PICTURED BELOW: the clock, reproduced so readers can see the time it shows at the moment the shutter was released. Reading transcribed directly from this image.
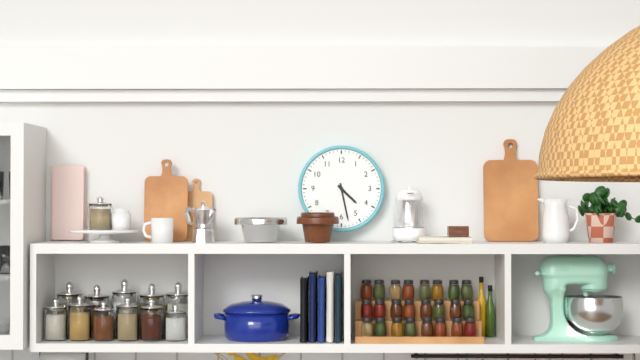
4:28
